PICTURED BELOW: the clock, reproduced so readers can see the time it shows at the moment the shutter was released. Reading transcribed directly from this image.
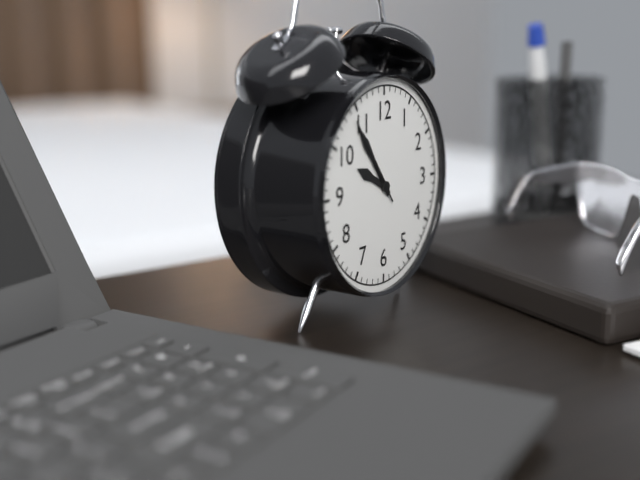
9:54:54
